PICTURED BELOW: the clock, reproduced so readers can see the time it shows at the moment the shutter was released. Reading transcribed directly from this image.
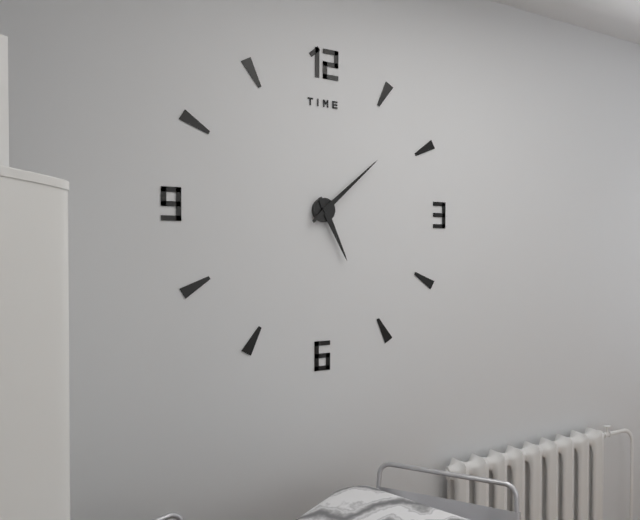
5:08
